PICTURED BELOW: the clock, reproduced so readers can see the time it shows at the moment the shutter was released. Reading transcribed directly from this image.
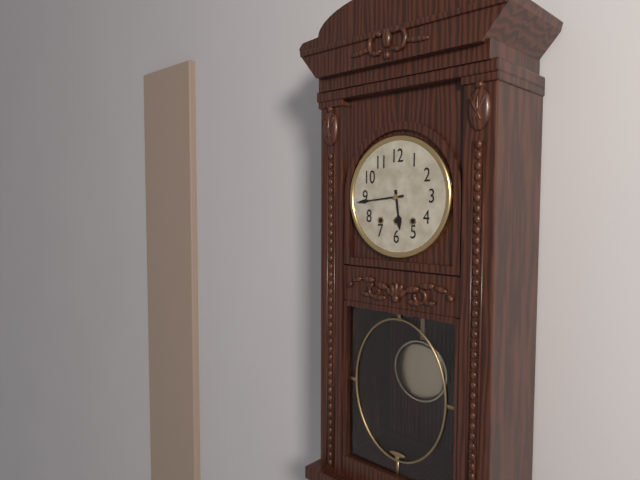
5:44
